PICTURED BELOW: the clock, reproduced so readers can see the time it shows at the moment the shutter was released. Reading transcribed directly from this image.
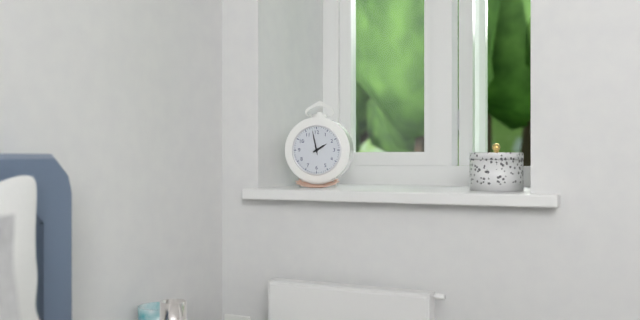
1:58
